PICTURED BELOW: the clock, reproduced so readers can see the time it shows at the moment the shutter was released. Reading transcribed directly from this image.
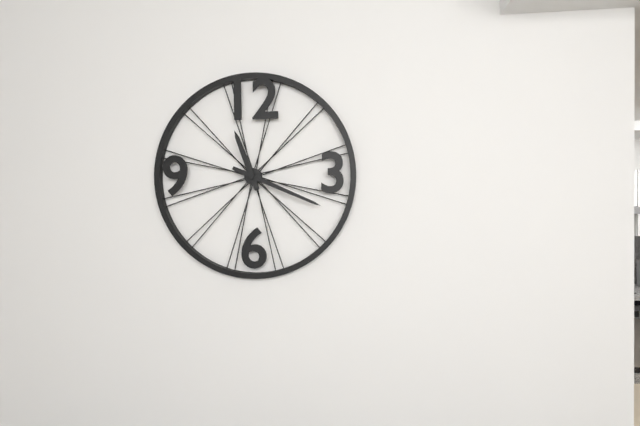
11:19
